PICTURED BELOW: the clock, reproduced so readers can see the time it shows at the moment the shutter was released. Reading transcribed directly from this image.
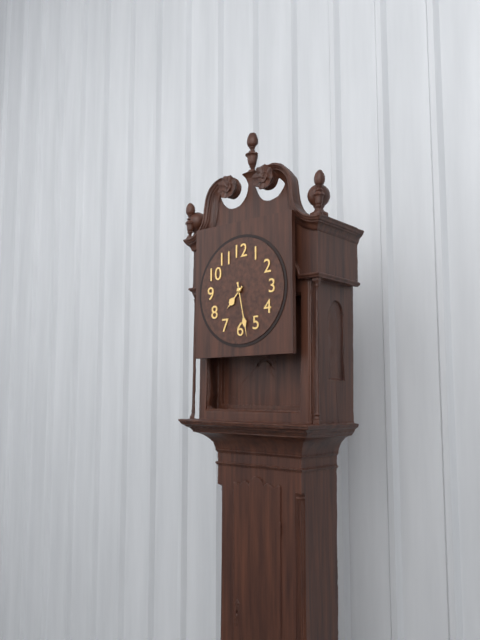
7:28
